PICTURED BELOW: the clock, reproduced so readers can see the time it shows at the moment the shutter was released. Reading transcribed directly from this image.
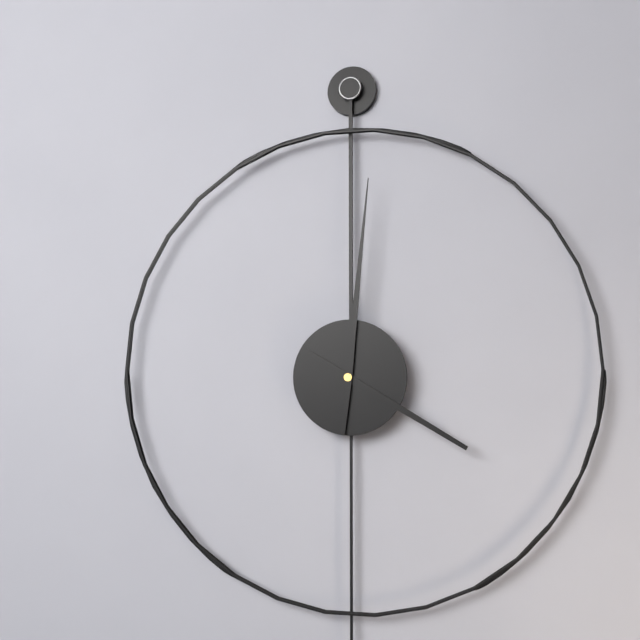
4:01
